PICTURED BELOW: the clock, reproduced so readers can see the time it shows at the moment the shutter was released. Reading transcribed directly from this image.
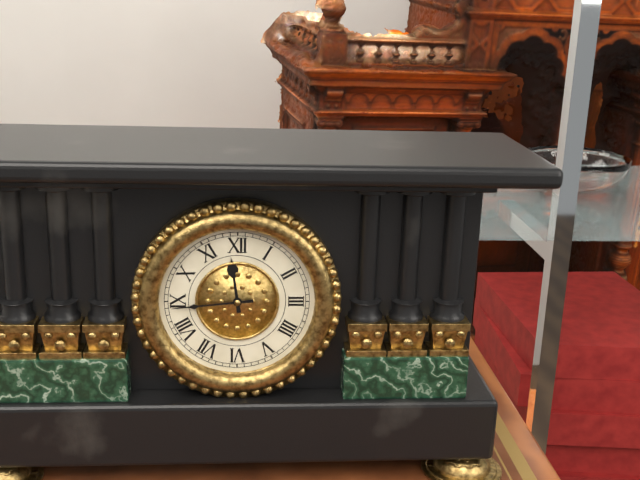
11:44
